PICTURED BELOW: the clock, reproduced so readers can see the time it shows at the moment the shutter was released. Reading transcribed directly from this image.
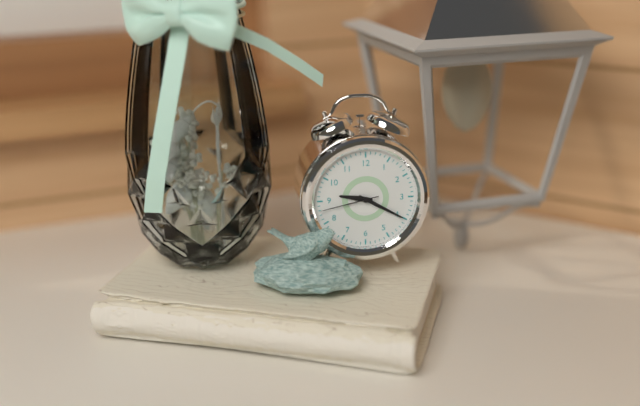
9:20:43
